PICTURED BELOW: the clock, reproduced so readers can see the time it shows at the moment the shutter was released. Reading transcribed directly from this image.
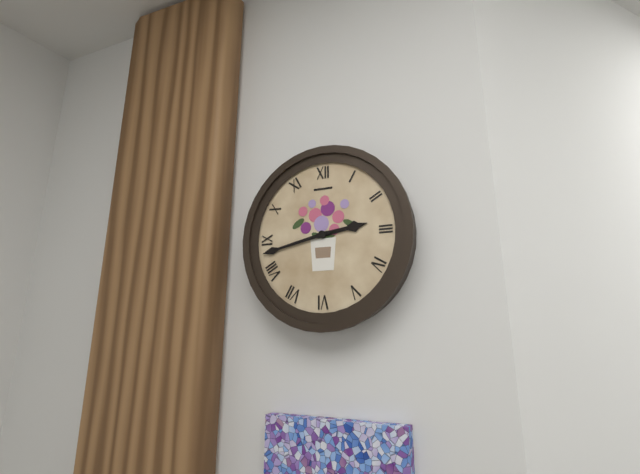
2:43
